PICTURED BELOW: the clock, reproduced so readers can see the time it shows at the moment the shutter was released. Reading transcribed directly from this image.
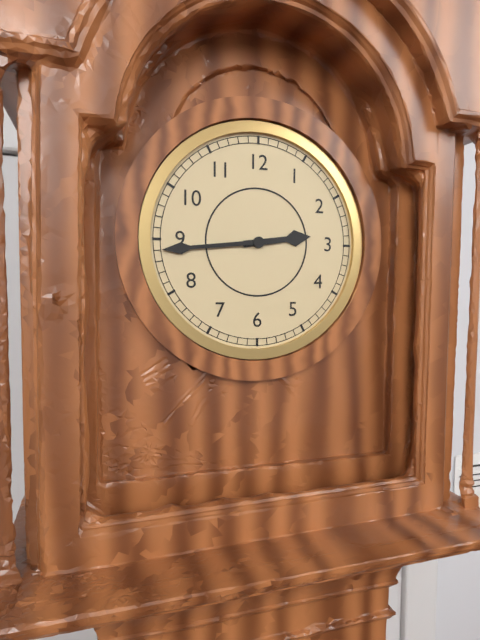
2:44
